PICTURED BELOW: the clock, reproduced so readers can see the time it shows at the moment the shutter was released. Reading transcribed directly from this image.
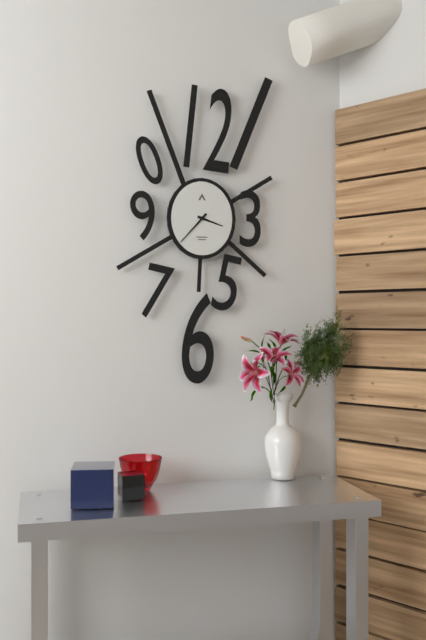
3:37
